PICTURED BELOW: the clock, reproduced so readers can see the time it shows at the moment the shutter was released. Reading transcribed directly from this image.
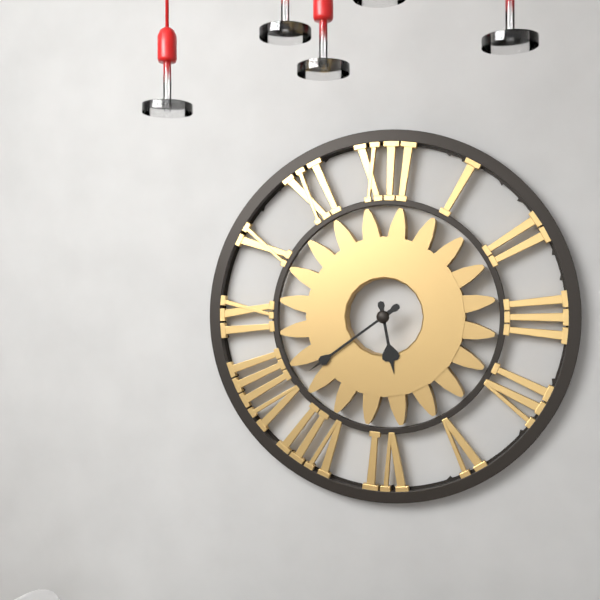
5:39
